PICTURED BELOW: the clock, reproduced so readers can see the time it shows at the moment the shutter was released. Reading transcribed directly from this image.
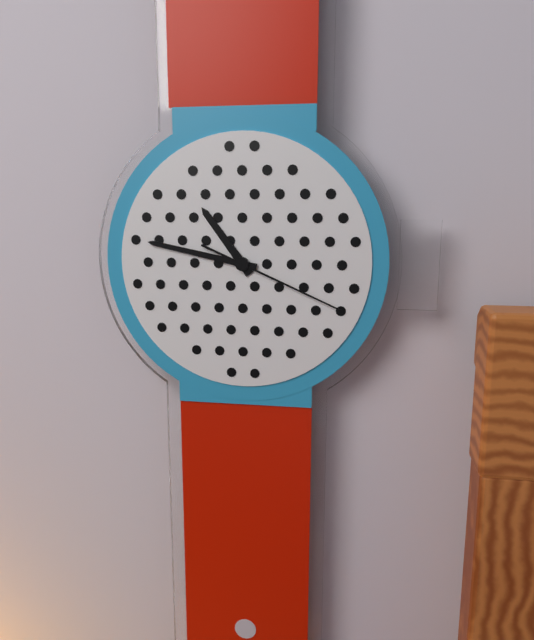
10:47:19
